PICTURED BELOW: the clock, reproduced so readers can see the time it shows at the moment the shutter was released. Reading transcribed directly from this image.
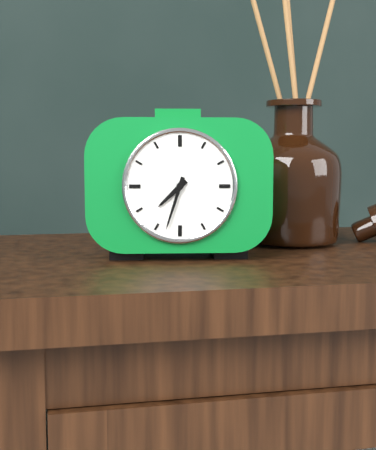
7:33
